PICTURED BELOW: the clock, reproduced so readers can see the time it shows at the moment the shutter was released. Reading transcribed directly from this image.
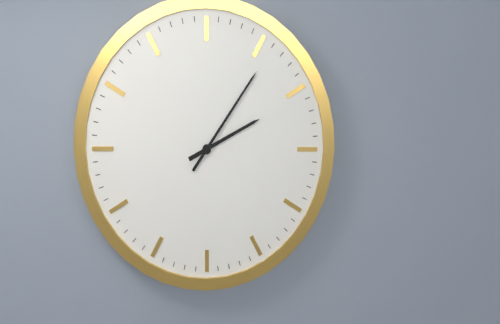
2:06
